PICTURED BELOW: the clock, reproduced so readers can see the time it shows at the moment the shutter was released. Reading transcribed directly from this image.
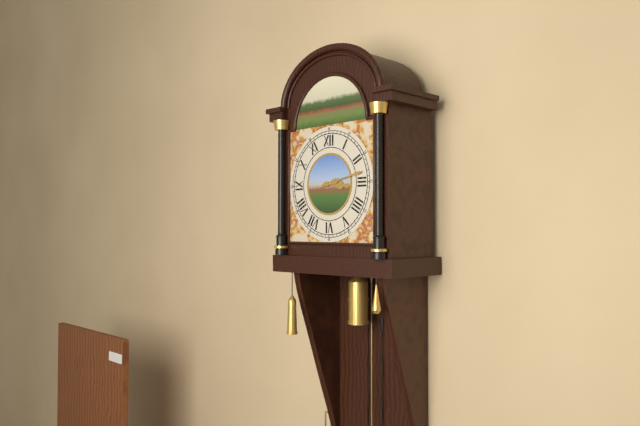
3:13
